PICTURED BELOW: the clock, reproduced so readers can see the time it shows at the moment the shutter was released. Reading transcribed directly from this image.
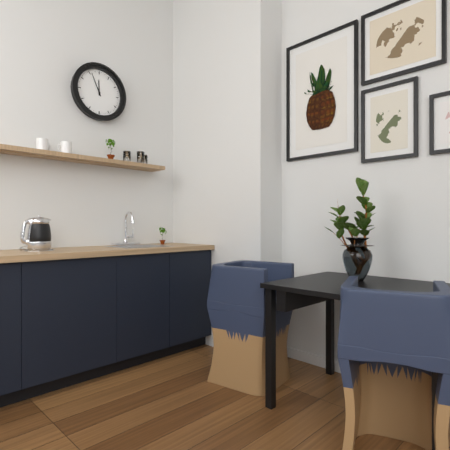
11:56
